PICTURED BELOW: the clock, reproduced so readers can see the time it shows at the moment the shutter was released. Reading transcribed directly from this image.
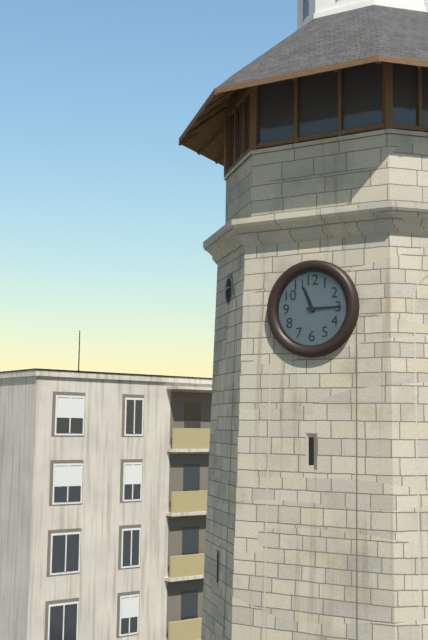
11:15
